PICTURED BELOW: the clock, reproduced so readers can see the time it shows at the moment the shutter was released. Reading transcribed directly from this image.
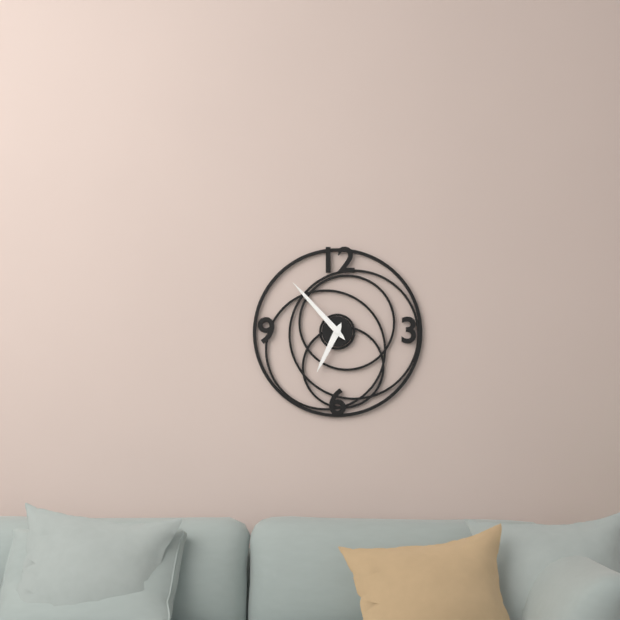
6:53
